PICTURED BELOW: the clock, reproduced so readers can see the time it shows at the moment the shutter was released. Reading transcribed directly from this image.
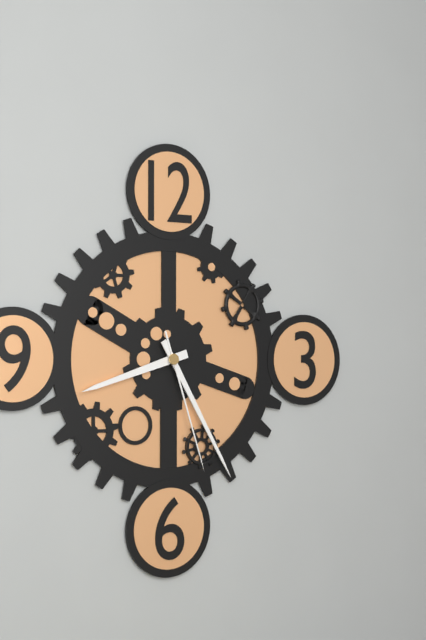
8:25:27
